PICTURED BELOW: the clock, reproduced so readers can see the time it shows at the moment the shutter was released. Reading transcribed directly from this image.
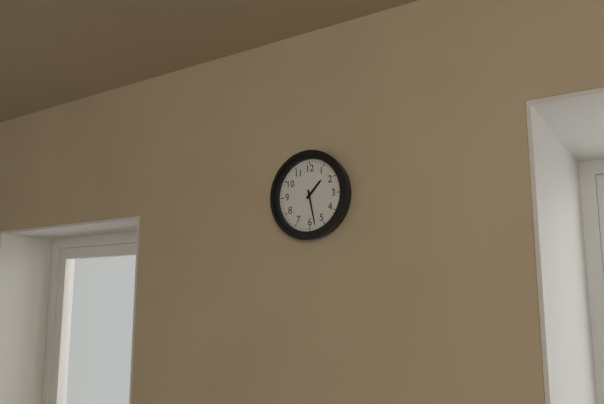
1:28
